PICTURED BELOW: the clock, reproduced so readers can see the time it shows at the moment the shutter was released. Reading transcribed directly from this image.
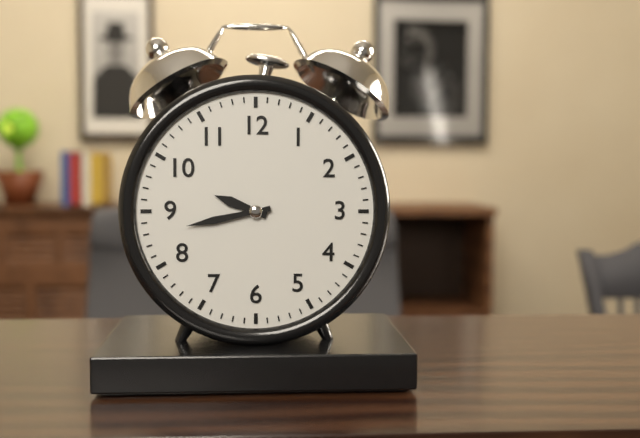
9:43
